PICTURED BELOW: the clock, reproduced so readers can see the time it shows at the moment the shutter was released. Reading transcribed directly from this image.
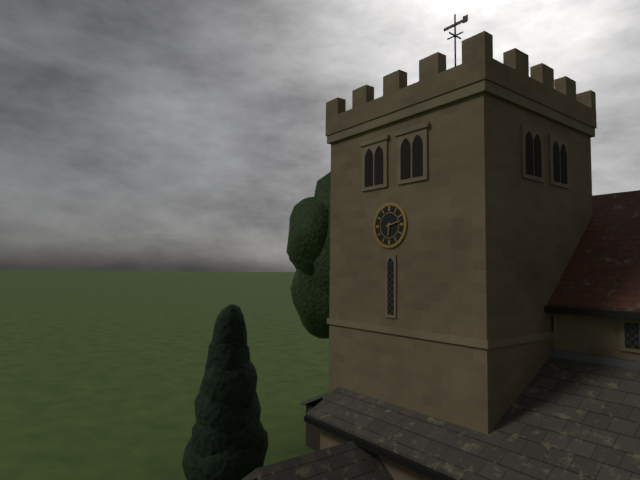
6:13
